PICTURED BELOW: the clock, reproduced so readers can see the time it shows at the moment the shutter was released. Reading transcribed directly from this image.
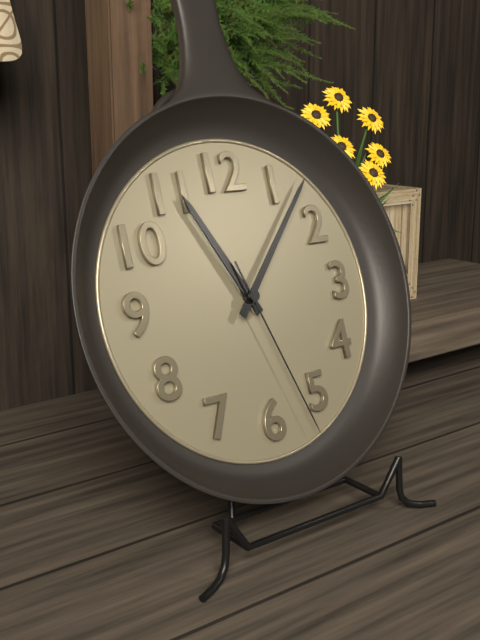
11:07:27
